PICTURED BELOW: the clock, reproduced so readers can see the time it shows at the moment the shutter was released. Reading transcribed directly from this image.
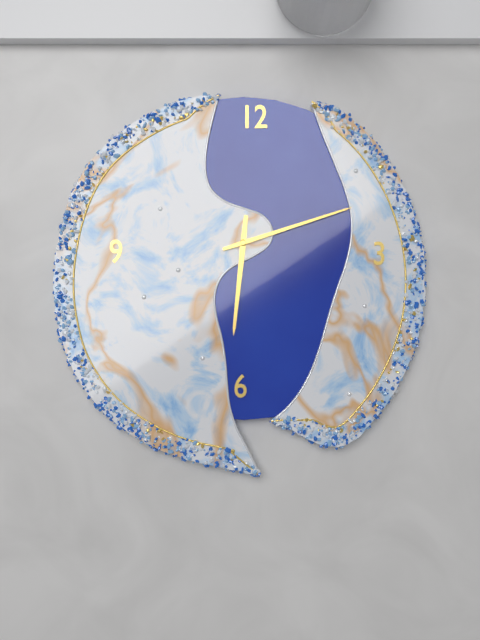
6:12
